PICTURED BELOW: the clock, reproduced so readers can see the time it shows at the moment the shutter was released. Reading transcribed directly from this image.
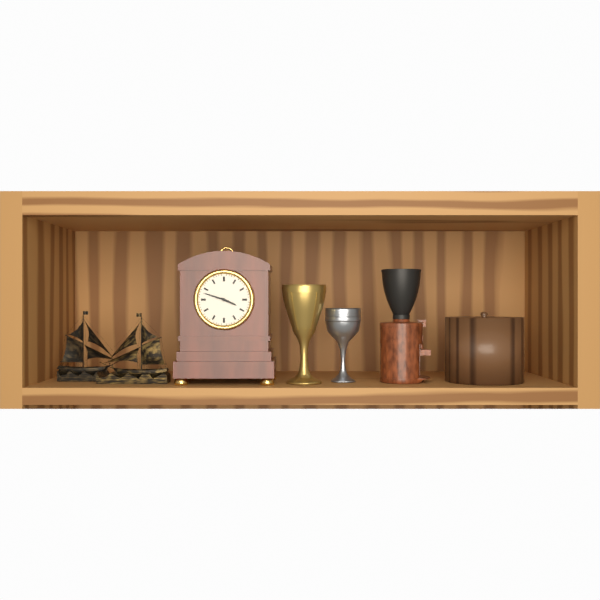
3:48
